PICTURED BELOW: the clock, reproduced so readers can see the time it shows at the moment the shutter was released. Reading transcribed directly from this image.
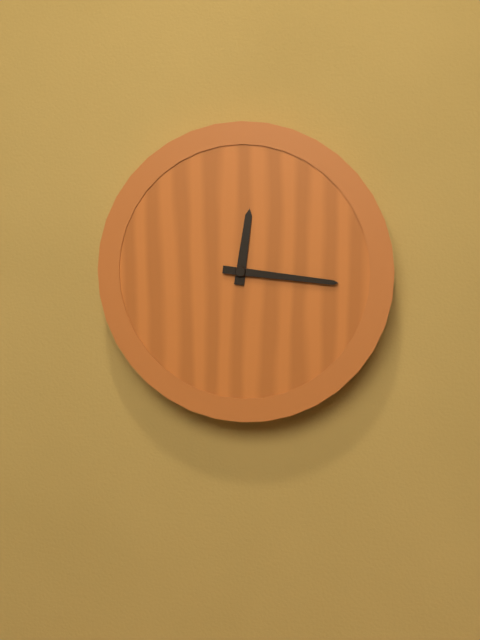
12:16
